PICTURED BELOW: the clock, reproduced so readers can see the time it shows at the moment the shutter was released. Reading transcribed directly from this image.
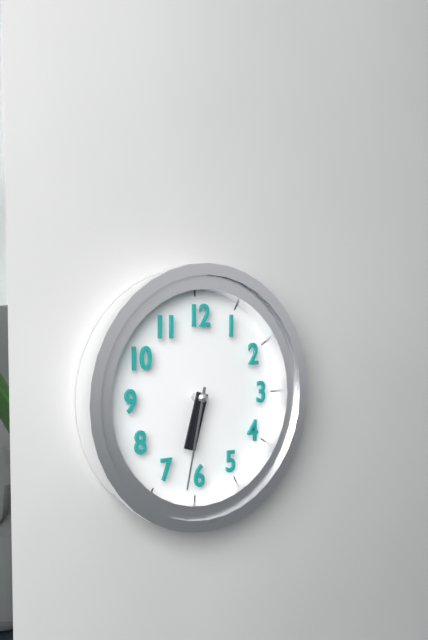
6:32
